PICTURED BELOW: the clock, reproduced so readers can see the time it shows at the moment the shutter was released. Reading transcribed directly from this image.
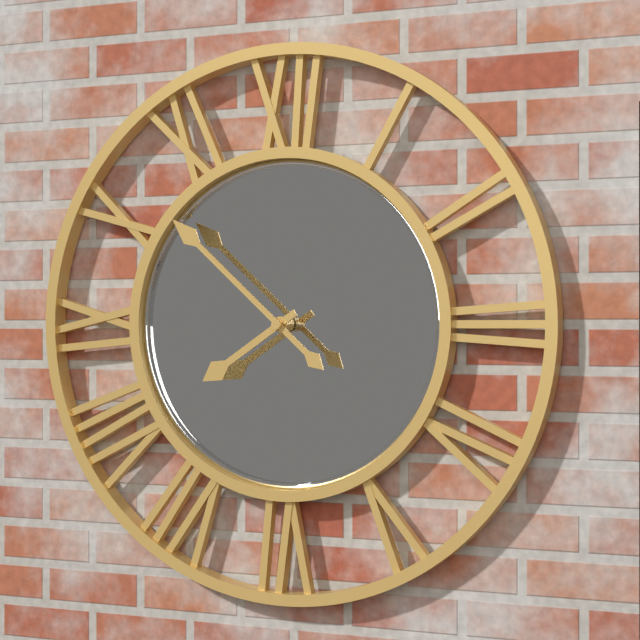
7:52
